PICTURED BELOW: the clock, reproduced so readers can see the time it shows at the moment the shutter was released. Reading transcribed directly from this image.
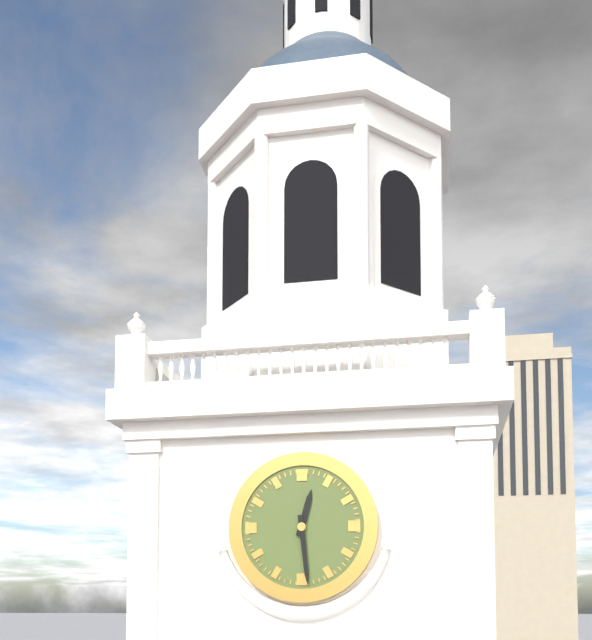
12:29
